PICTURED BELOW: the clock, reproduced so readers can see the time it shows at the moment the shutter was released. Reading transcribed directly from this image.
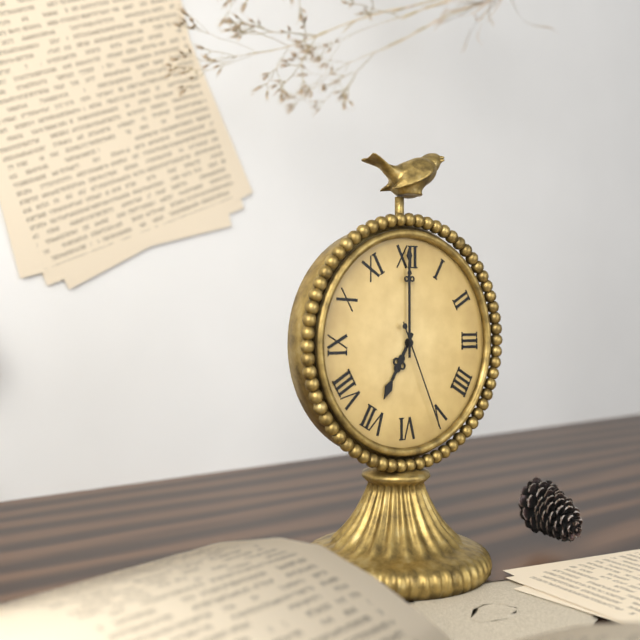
7:00:26
